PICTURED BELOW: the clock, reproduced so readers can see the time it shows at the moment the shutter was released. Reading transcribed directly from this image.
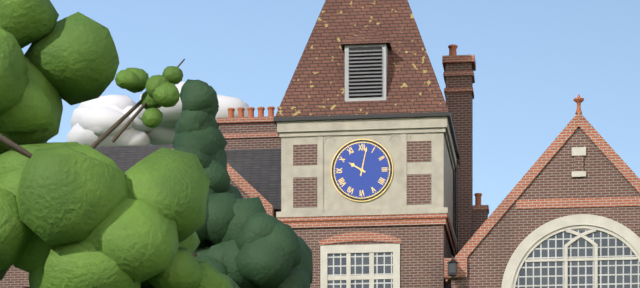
10:02
